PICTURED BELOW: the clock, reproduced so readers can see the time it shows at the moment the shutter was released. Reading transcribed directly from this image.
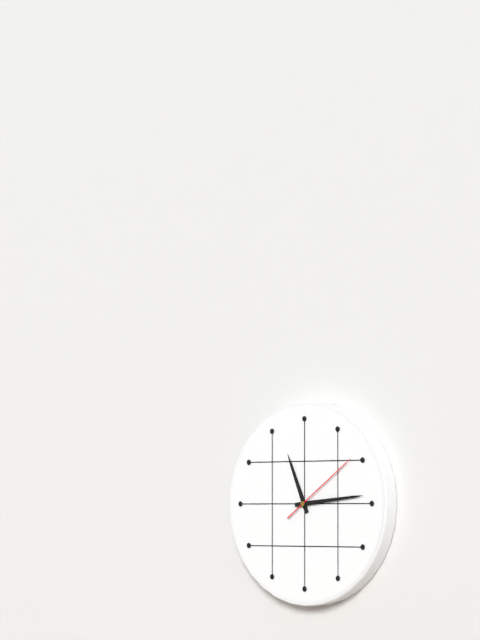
11:14:09
